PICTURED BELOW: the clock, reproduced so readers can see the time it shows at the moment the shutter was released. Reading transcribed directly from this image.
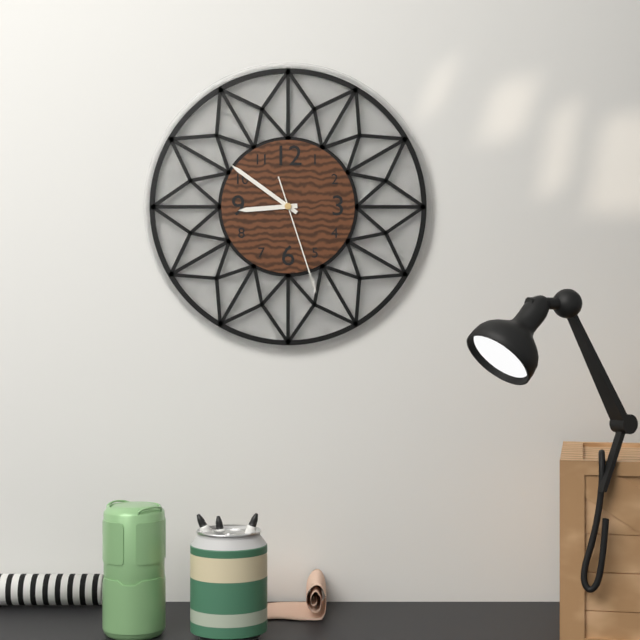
8:51:27
